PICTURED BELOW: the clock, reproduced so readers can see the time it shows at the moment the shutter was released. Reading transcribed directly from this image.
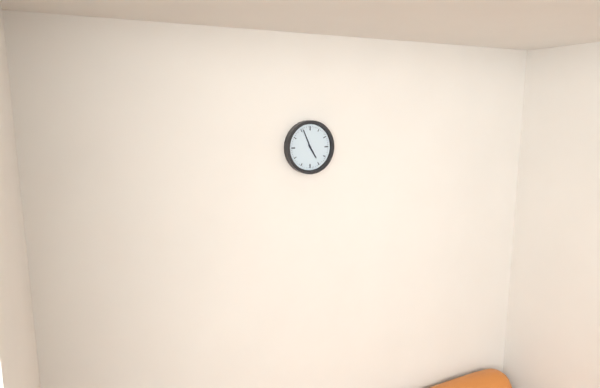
4:56
